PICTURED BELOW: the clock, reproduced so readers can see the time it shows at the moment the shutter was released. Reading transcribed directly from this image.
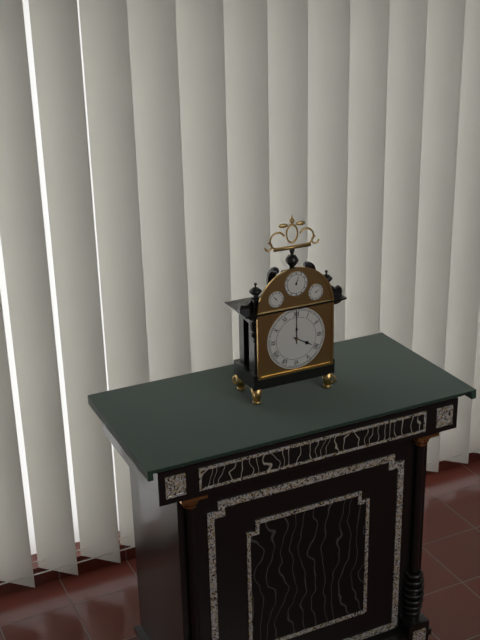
4:00
